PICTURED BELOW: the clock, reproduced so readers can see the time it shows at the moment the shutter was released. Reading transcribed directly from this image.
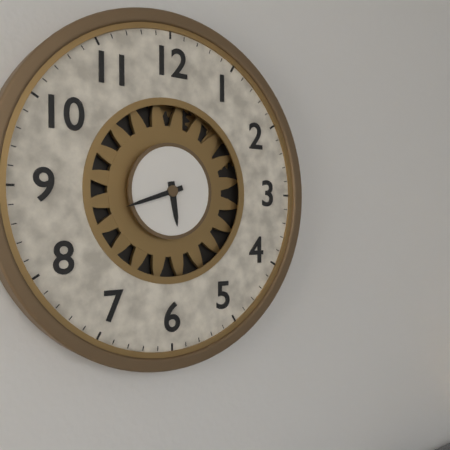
5:42
